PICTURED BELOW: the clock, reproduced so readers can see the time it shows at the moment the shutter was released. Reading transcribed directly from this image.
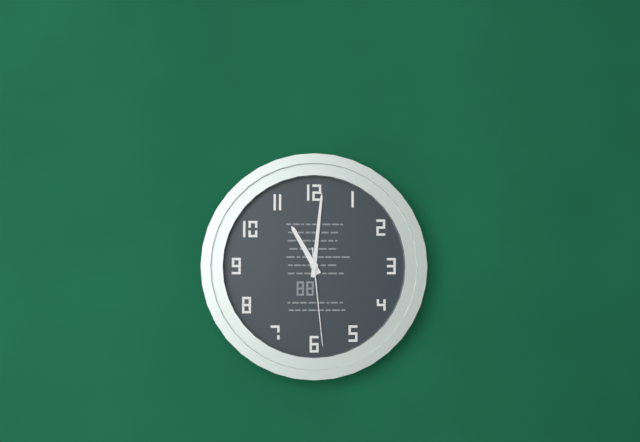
11:01:29
